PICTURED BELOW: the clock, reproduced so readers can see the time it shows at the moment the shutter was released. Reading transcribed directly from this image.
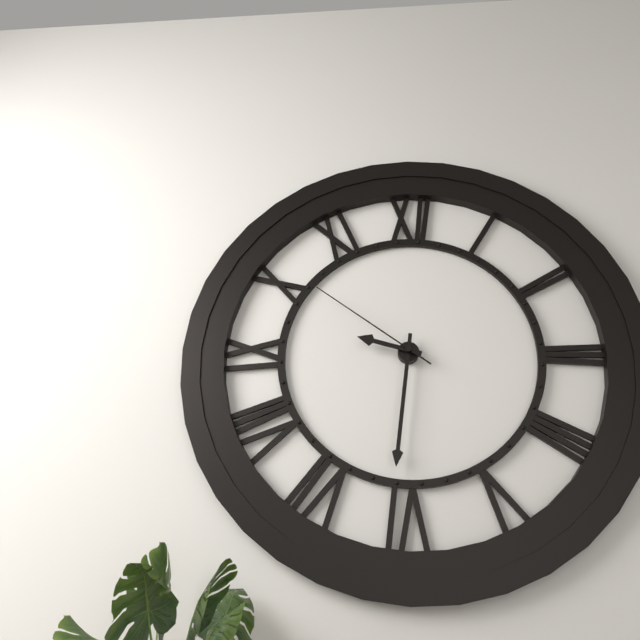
9:31:51
